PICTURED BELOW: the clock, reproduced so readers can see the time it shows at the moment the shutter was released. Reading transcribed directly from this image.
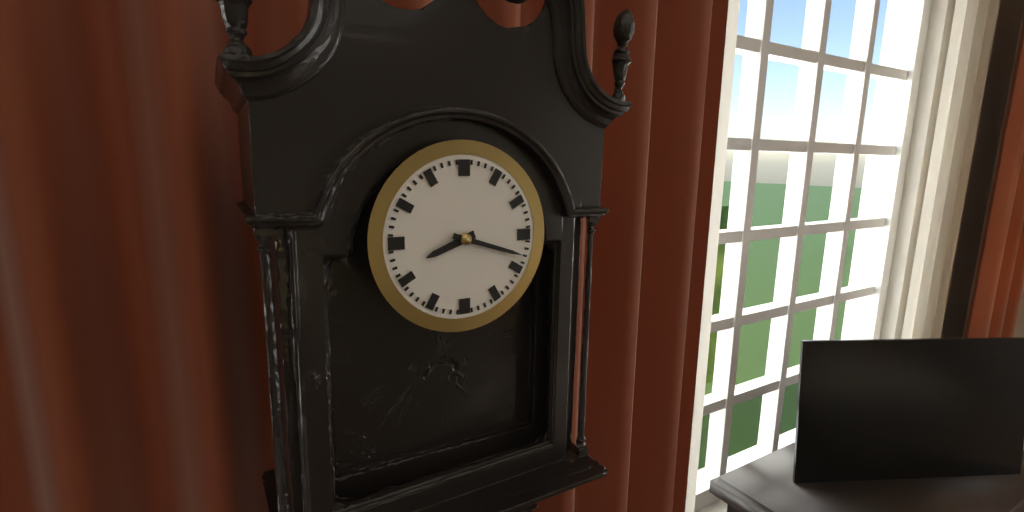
8:18
